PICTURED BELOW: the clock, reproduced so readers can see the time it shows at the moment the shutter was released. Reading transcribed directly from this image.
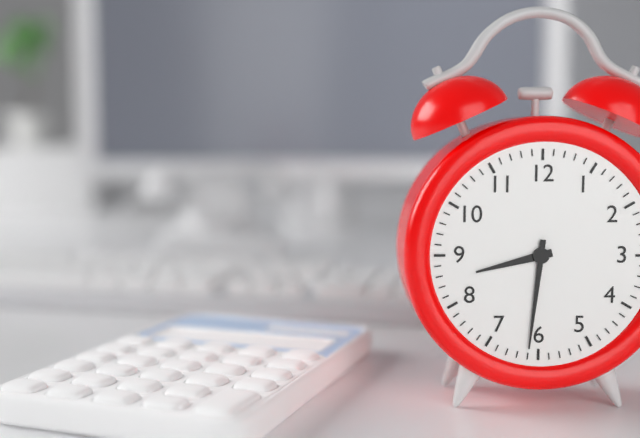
8:31
